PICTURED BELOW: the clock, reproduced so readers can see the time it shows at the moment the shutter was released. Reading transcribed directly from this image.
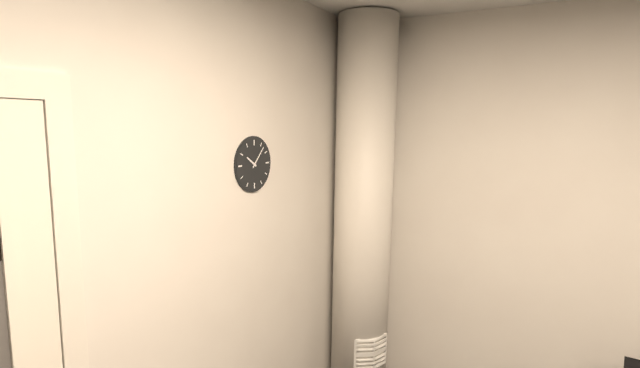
10:07
